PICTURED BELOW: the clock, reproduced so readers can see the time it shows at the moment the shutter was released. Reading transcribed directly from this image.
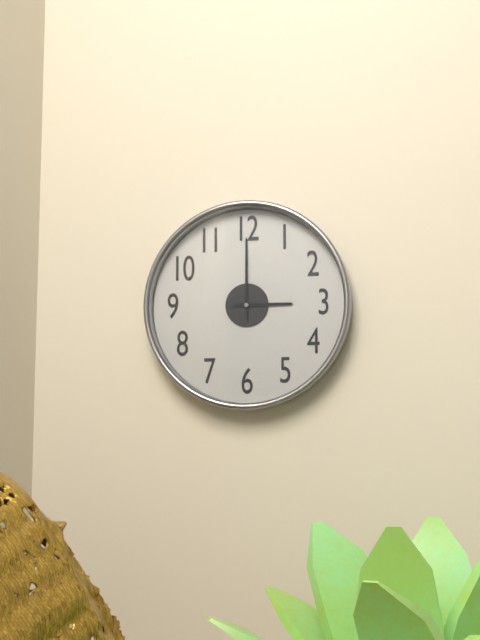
3:00
